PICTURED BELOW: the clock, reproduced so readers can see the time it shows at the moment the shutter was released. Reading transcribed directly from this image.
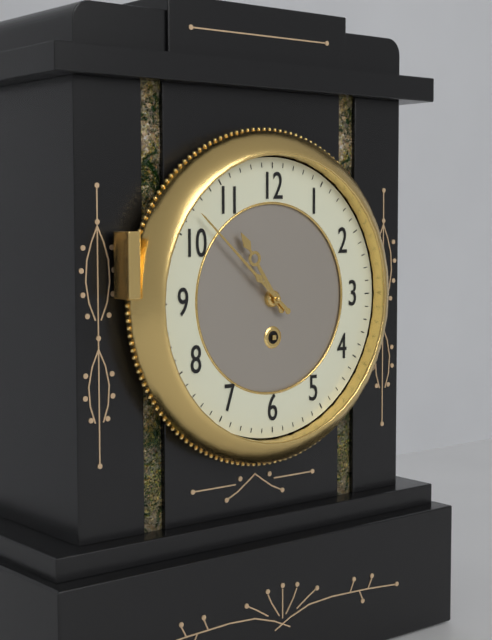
10:52
